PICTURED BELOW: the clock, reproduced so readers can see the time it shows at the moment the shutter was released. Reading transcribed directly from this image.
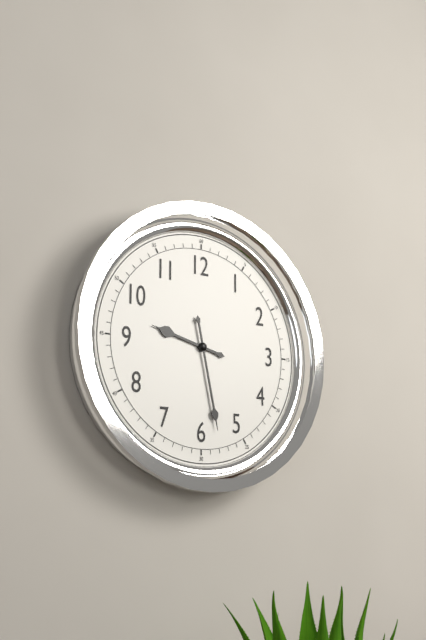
9:28
